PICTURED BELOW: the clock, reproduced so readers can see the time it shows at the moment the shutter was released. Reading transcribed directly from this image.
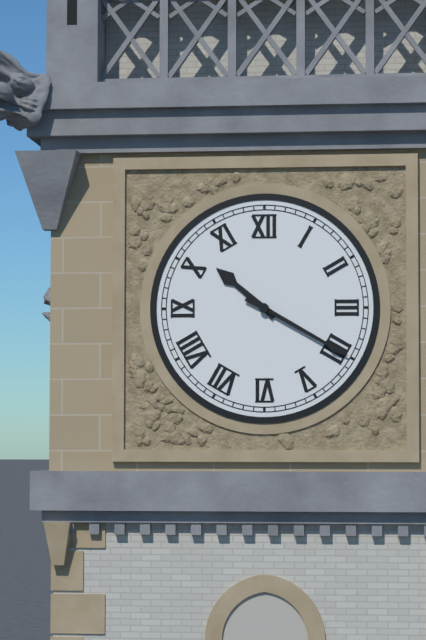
10:20
